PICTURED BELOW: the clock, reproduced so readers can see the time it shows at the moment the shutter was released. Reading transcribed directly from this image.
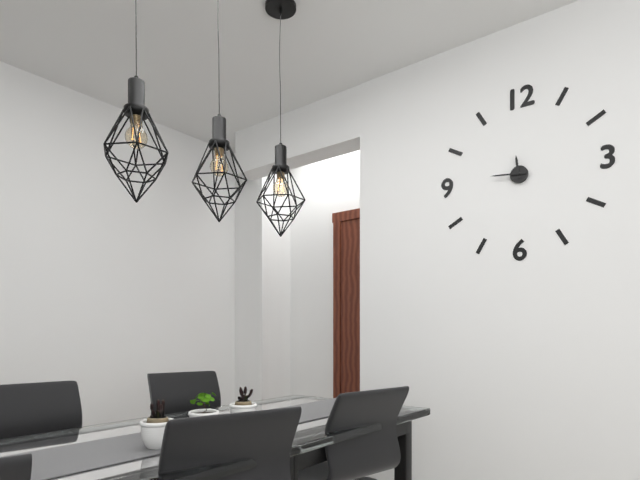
11:46
